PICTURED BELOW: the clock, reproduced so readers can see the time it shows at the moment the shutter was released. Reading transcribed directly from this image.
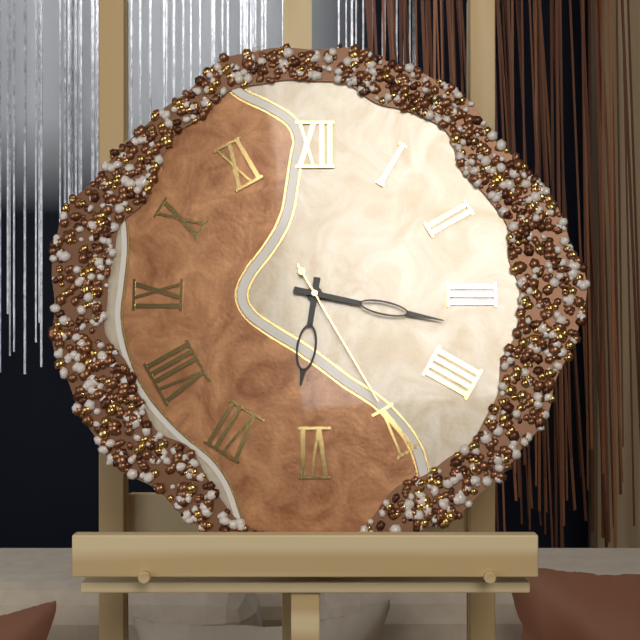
6:17:25
